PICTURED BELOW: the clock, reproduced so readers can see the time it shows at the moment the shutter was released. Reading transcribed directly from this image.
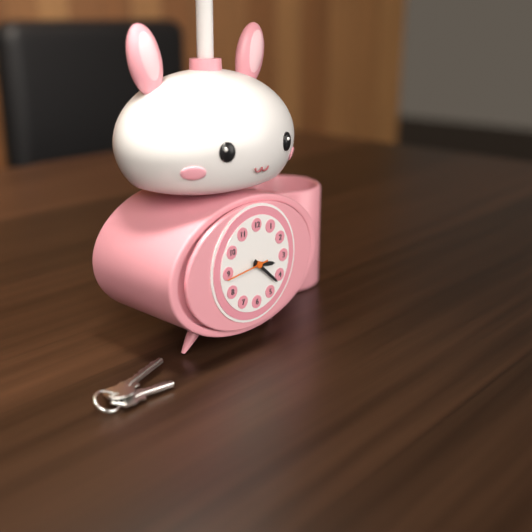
3:22
